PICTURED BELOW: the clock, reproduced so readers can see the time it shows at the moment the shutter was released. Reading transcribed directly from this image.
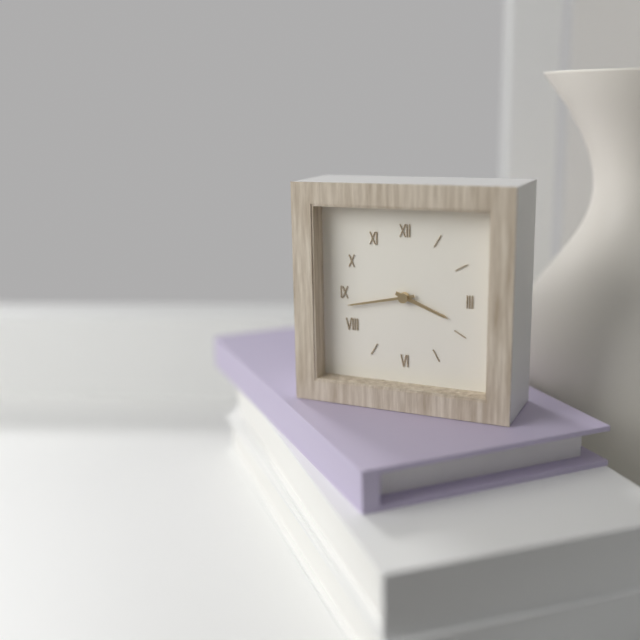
3:43
